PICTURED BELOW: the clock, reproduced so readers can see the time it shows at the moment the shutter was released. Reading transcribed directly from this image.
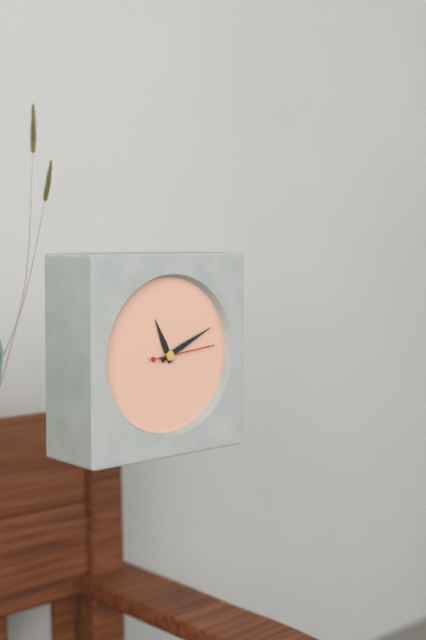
11:11:14
